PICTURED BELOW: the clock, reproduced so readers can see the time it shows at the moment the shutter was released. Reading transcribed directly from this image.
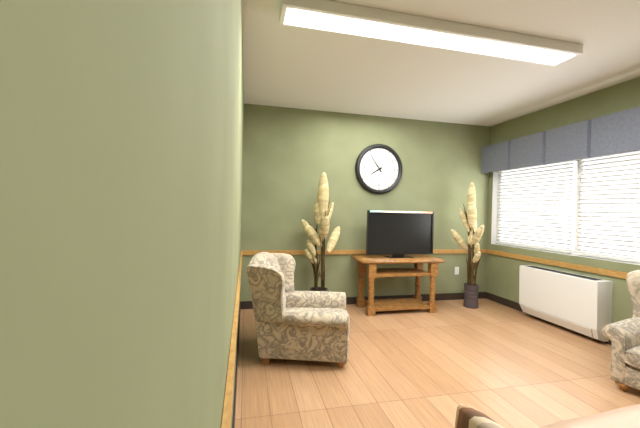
7:54
